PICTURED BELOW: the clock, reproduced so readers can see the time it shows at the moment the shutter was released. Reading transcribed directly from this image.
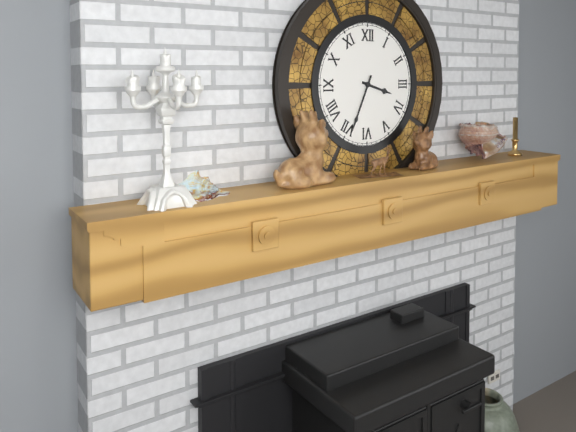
3:34
